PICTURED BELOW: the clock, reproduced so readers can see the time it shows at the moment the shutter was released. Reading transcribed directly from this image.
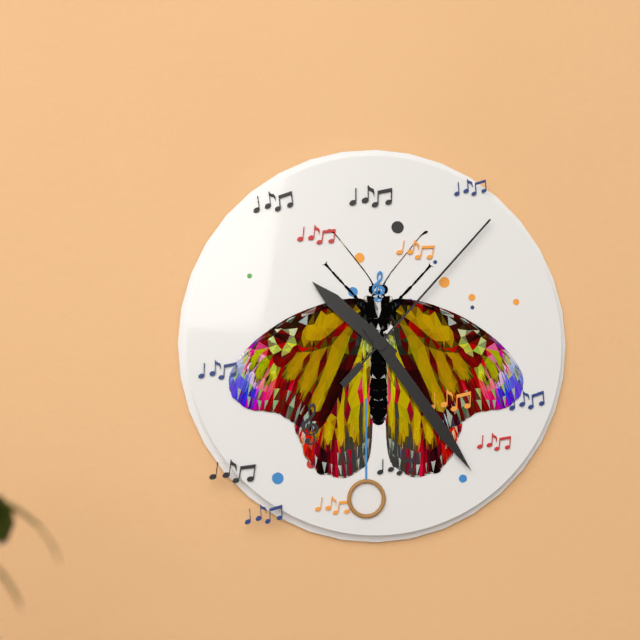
10:24:07
